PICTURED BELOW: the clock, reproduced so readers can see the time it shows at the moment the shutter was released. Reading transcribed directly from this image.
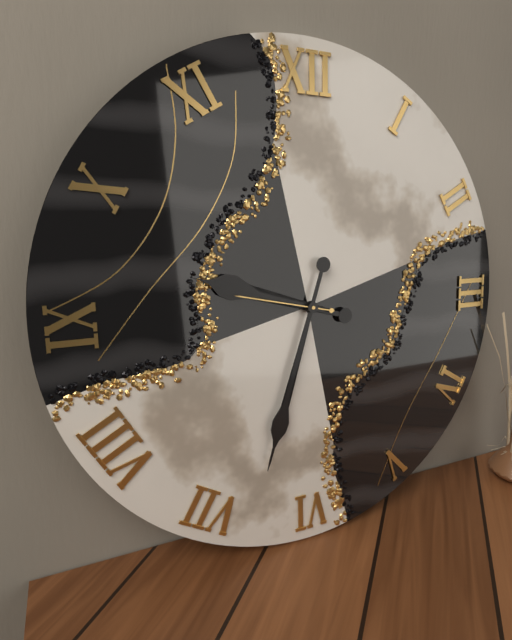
9:33:47
